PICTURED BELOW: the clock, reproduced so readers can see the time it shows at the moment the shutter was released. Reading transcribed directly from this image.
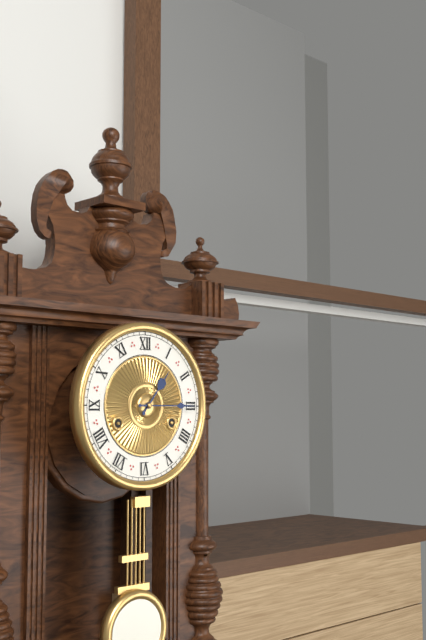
1:15
